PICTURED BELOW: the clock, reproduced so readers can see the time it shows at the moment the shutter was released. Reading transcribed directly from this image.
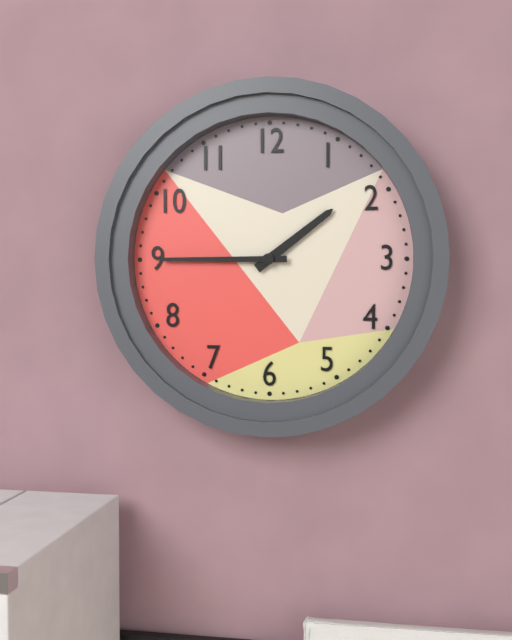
1:45
